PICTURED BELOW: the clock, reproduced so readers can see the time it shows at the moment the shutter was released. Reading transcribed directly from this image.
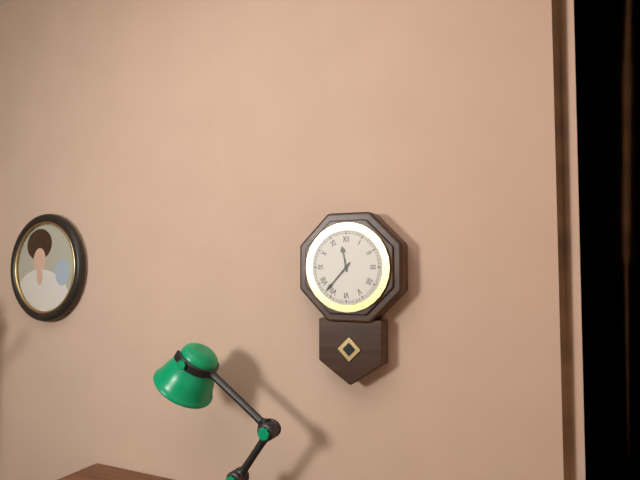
11:37
